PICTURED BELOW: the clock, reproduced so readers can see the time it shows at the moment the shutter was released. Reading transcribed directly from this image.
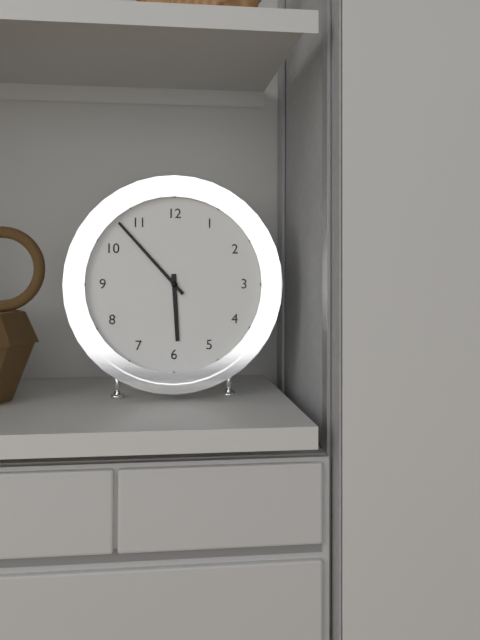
5:53
